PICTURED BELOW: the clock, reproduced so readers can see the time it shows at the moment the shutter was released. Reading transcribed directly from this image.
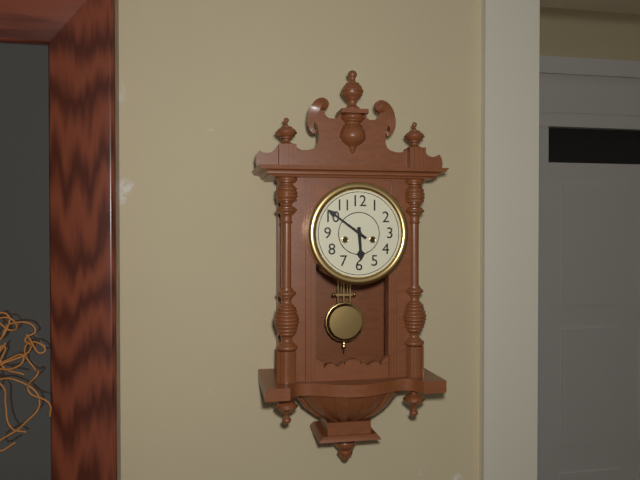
5:51
